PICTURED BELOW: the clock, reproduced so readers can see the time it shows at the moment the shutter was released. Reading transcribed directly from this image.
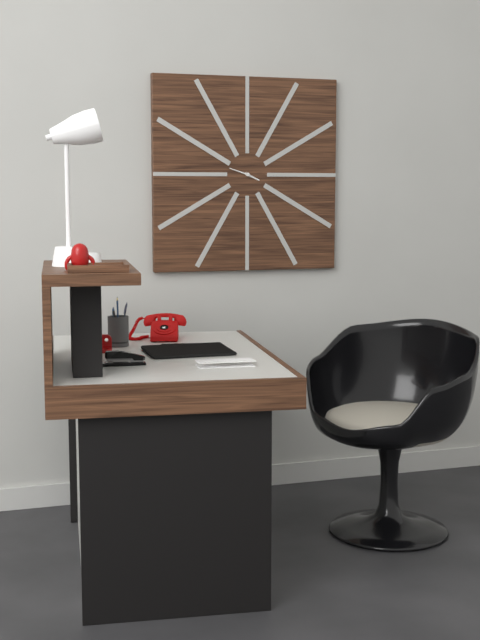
3:48
